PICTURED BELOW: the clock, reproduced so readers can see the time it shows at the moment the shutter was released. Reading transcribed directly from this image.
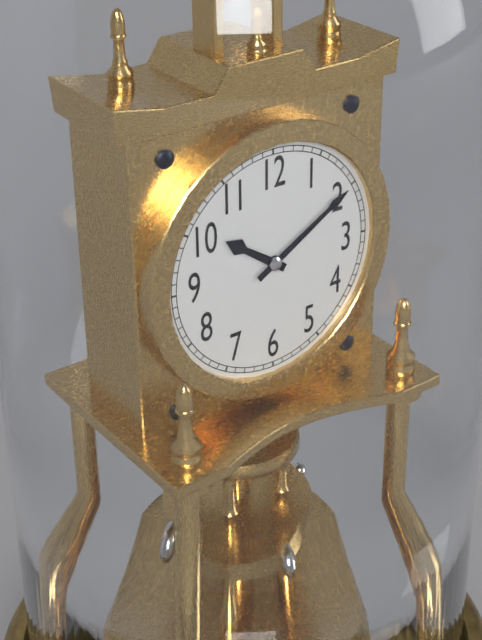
10:10
